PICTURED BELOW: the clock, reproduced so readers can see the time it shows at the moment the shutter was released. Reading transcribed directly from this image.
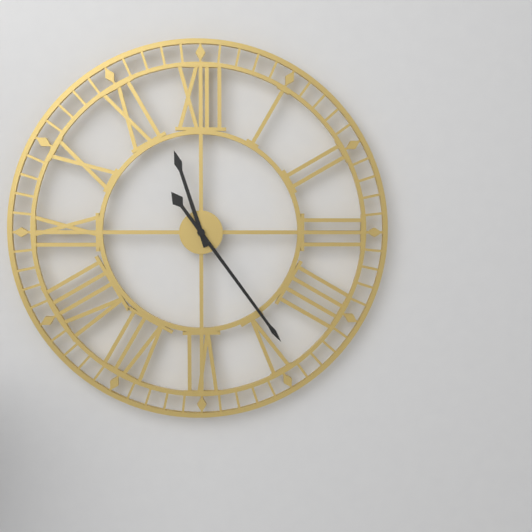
11:24
